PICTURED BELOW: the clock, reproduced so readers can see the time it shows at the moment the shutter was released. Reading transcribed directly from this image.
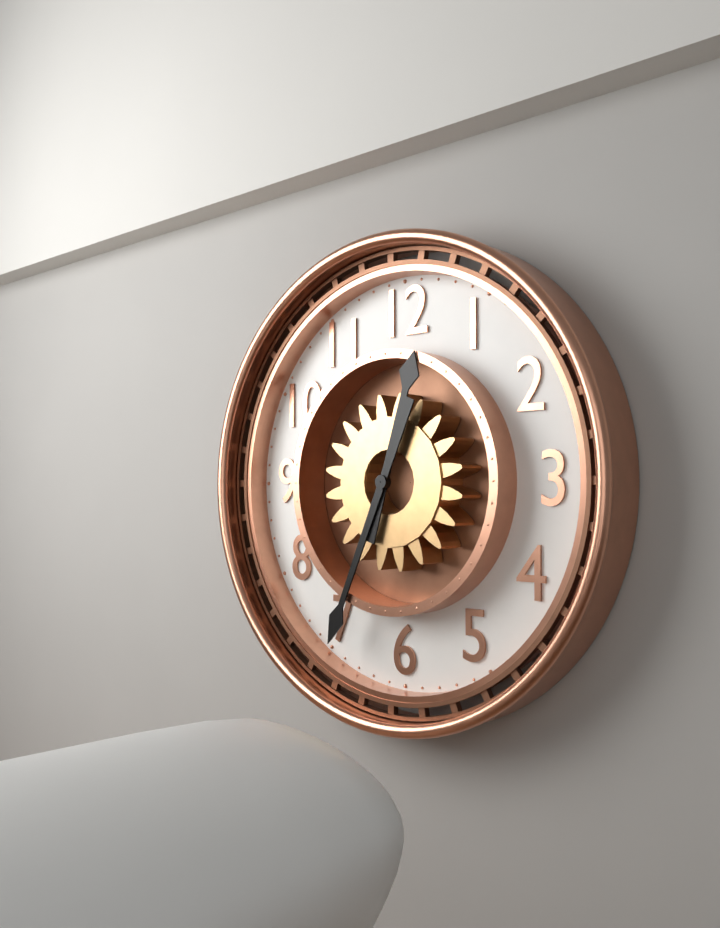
12:34
